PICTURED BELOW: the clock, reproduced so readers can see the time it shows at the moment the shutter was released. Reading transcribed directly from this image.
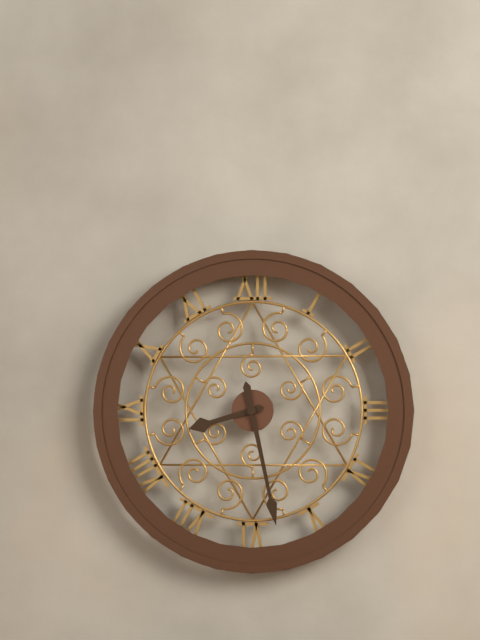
8:28
